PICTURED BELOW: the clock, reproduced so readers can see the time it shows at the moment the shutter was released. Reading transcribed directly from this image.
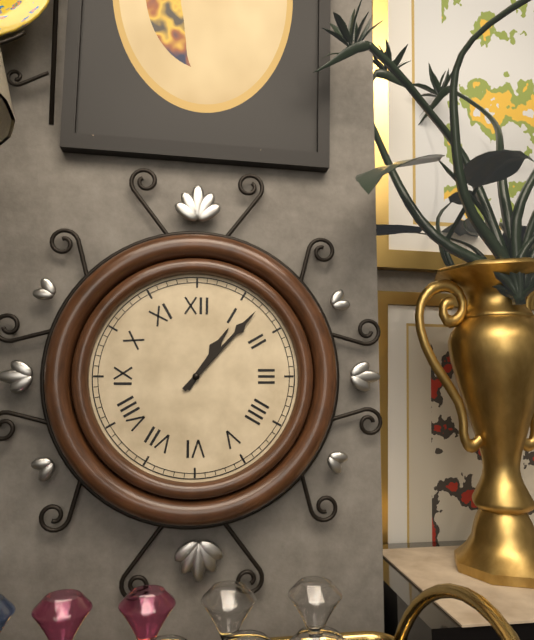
1:07
